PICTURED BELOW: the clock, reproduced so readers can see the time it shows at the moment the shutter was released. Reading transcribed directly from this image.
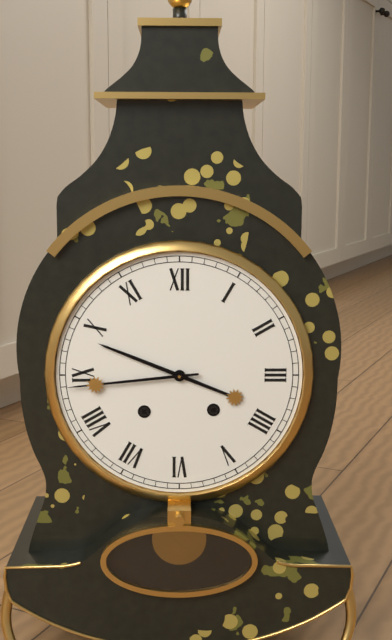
9:44
